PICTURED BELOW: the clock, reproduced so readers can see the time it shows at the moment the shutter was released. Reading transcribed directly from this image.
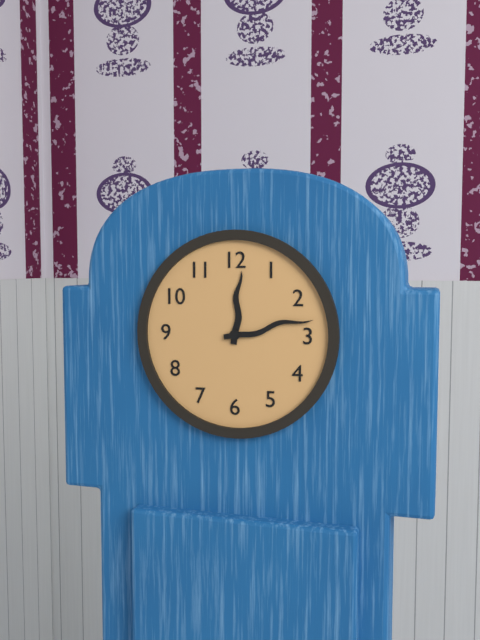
12:13
